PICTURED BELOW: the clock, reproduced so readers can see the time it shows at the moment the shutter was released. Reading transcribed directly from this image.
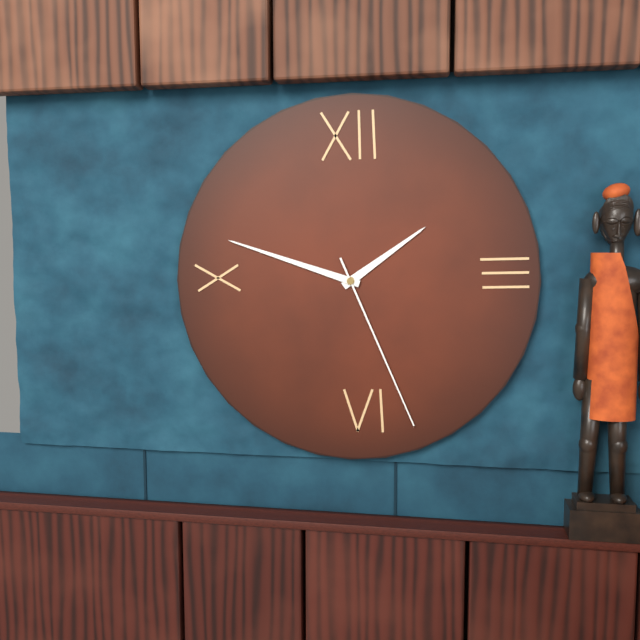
1:48:26
